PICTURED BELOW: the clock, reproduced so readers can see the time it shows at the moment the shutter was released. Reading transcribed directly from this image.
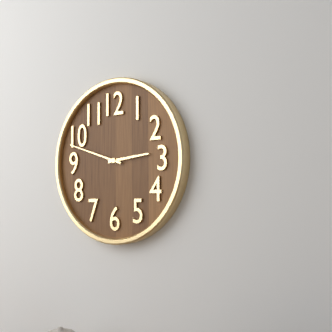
2:48
